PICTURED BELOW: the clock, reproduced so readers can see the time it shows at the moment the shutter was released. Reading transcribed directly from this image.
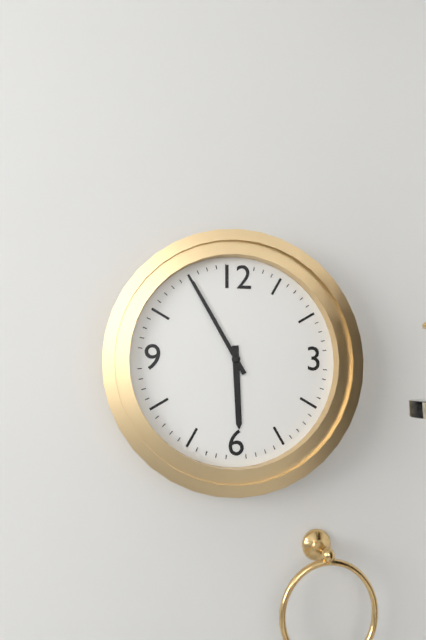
5:55
